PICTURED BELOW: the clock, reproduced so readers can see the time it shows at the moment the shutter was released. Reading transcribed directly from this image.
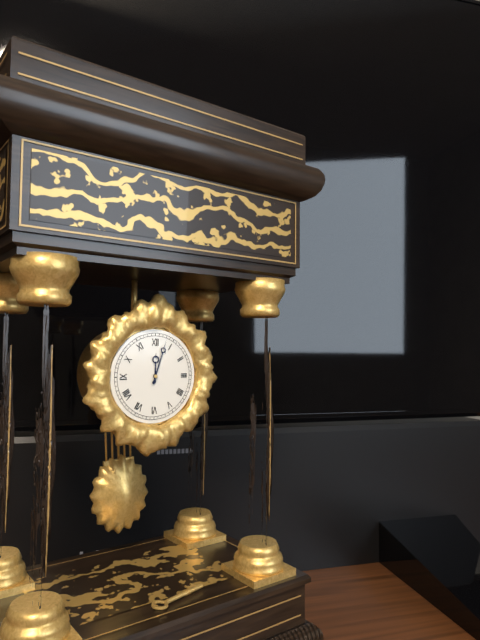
12:03
